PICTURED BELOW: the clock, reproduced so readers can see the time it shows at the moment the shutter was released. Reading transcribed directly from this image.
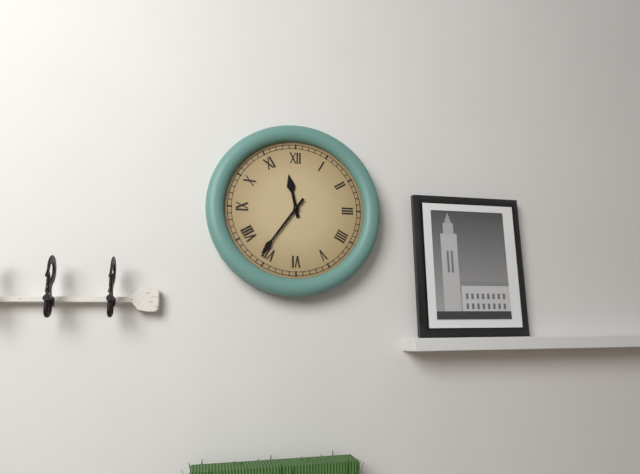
11:36
